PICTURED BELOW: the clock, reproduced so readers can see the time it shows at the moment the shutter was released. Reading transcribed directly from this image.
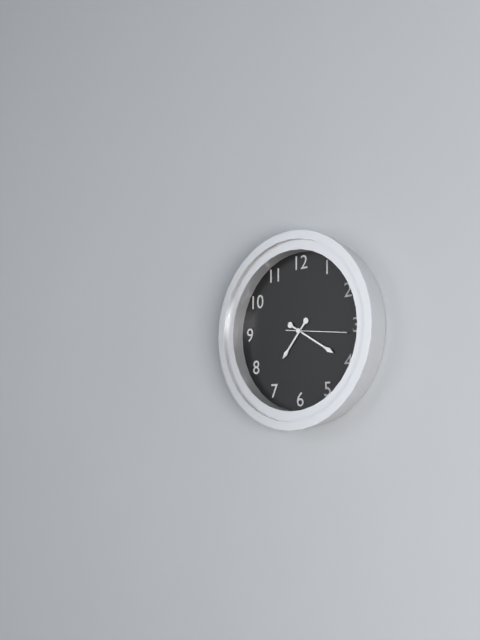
7:20:16
